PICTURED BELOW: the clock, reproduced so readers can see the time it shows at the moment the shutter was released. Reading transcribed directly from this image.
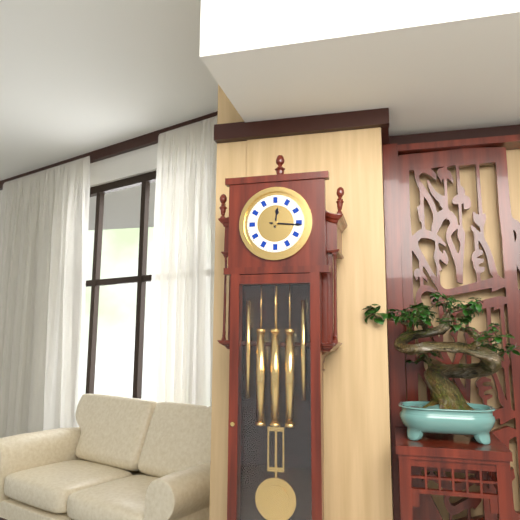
12:16
